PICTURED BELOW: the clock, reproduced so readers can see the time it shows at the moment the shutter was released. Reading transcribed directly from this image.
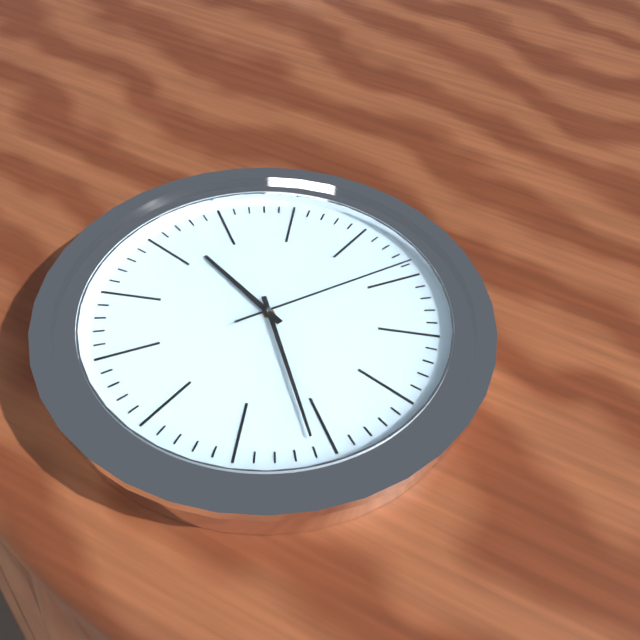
9:21:04
